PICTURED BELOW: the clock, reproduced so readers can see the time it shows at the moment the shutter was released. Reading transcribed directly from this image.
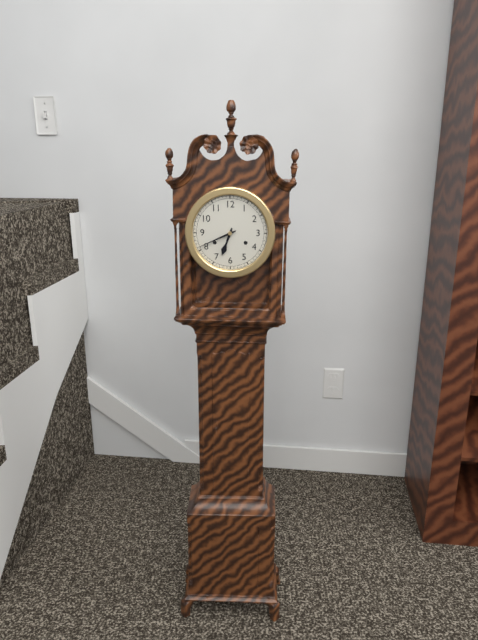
6:41
